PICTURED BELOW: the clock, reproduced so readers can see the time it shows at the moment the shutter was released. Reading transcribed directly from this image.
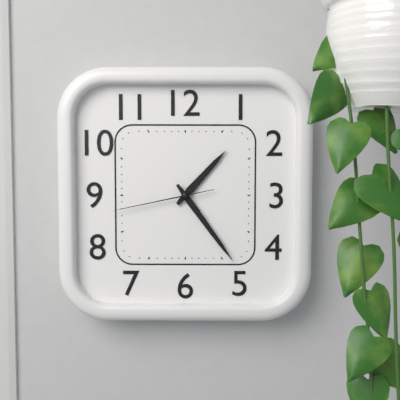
1:24:43
